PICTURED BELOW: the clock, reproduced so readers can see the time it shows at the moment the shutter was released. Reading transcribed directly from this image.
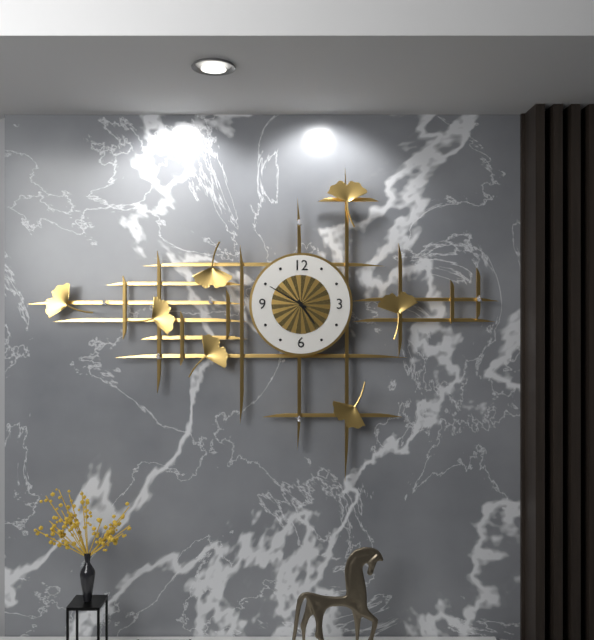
4:50
